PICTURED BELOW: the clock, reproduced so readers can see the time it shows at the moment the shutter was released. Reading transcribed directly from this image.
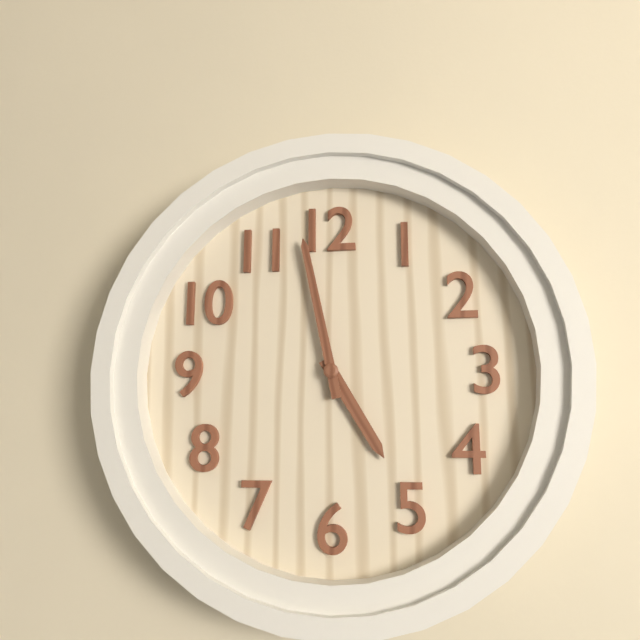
4:58
